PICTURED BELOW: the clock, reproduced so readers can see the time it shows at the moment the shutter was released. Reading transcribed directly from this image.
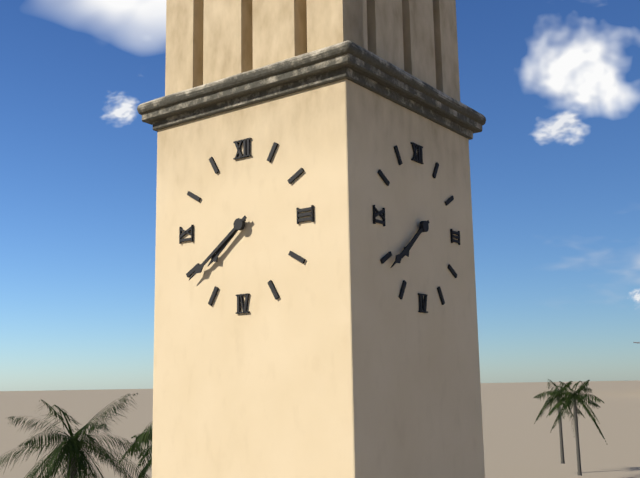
7:39
